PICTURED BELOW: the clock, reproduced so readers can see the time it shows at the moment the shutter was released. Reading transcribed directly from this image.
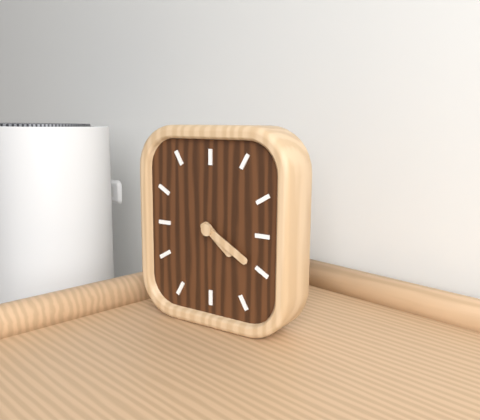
4:20
